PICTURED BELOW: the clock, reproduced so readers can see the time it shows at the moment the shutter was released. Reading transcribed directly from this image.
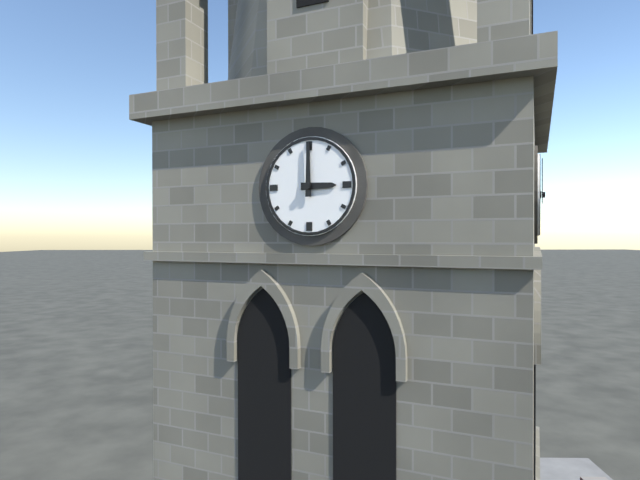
3:00
